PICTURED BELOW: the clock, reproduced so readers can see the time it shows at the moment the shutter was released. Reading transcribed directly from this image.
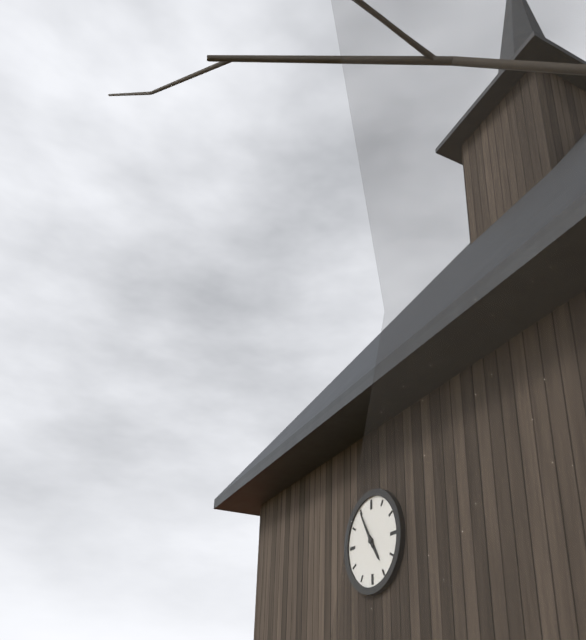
4:55
